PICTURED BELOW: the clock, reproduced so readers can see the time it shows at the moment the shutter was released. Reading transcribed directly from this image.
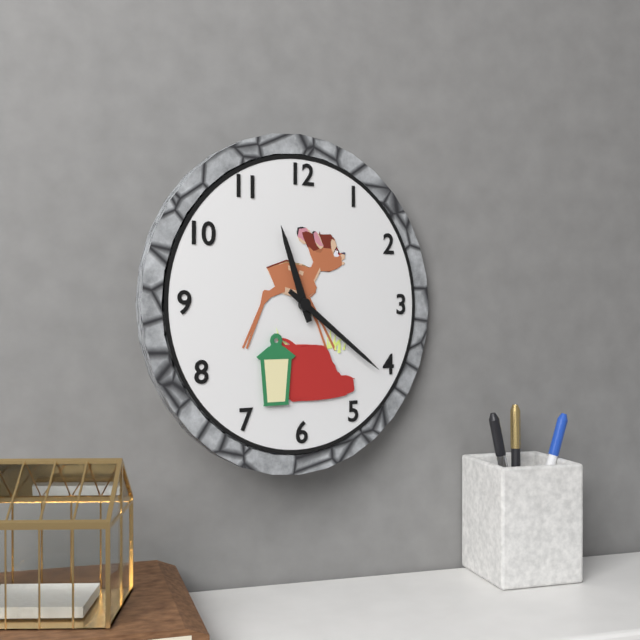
11:21
